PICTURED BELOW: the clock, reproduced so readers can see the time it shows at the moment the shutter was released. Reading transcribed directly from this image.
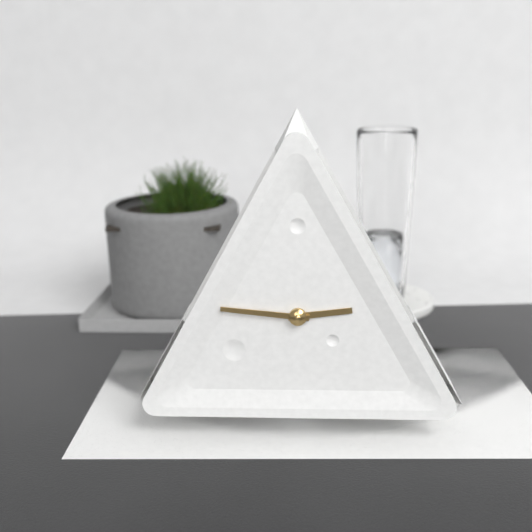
2:46
